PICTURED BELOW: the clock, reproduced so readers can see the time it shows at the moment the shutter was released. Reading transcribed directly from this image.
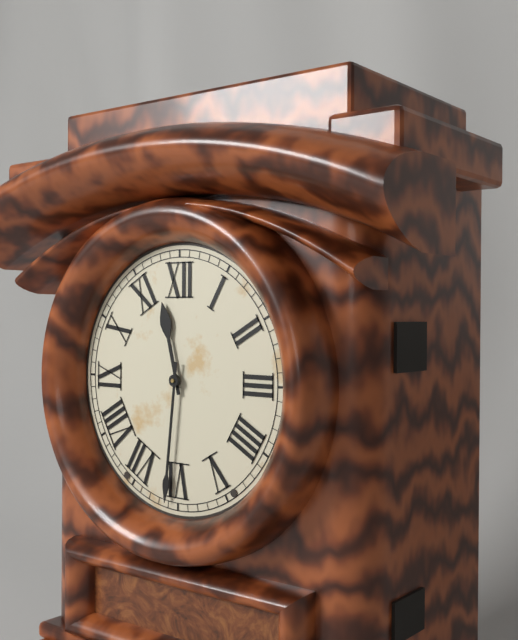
11:31
